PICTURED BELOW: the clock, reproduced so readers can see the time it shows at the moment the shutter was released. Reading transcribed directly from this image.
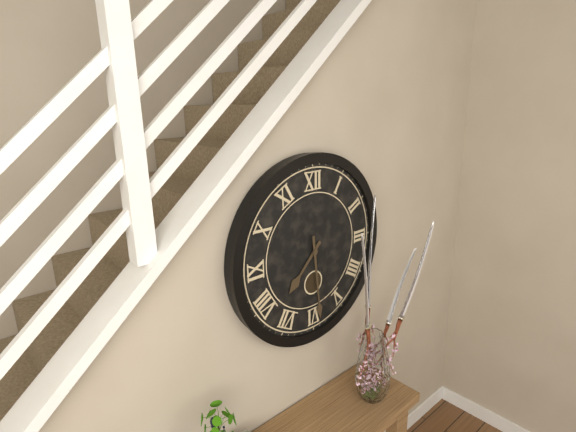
7:29
